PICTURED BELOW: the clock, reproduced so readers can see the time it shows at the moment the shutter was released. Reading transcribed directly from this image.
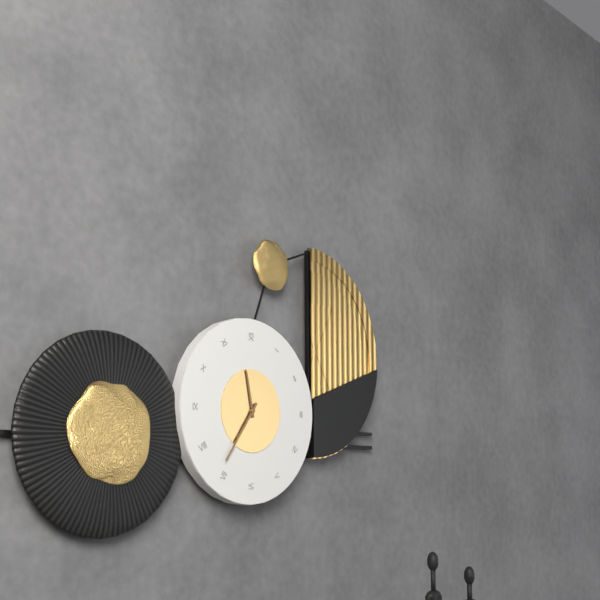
11:36
